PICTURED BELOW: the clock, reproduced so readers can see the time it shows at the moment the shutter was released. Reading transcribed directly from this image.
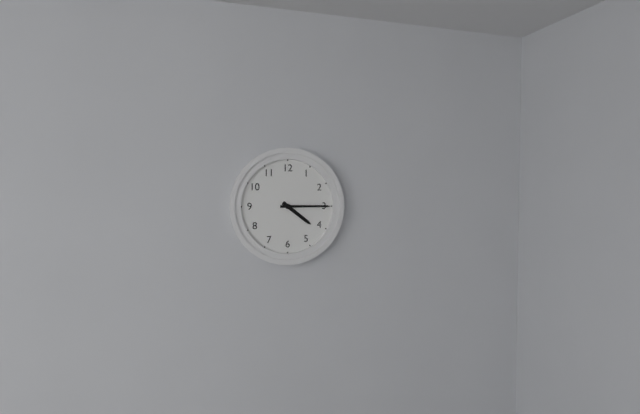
4:15
